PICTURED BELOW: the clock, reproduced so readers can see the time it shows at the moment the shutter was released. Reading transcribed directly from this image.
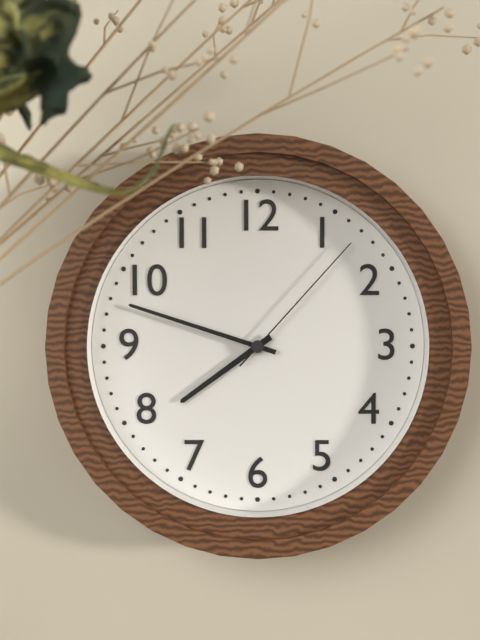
7:48:07
